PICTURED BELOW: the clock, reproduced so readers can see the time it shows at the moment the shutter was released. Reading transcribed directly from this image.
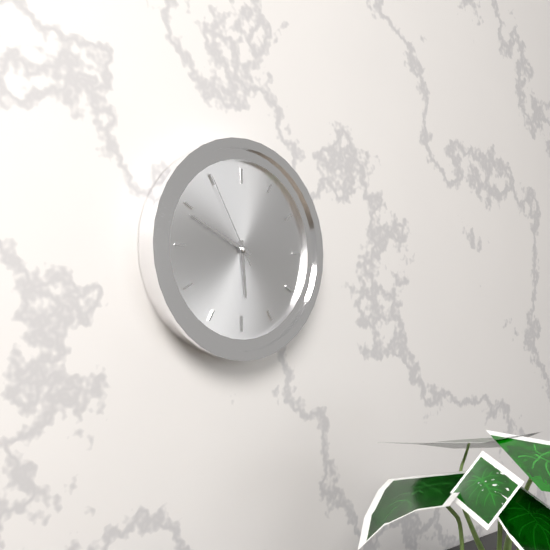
5:49:55
